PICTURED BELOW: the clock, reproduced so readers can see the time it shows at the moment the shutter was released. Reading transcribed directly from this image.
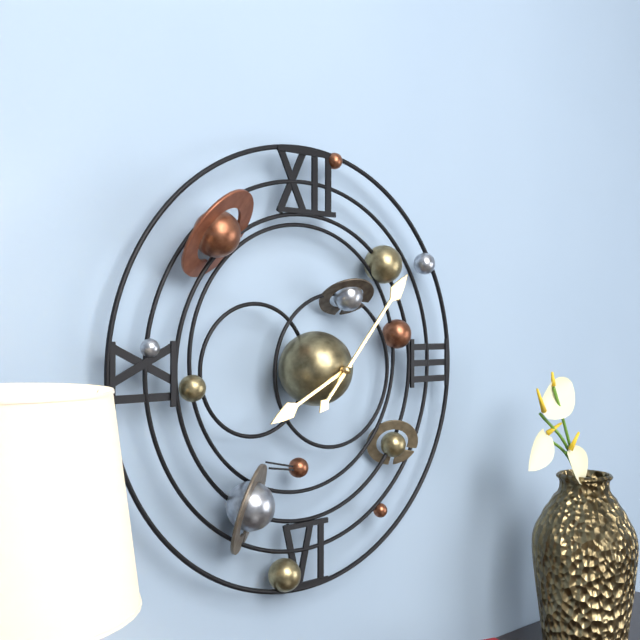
8:07
